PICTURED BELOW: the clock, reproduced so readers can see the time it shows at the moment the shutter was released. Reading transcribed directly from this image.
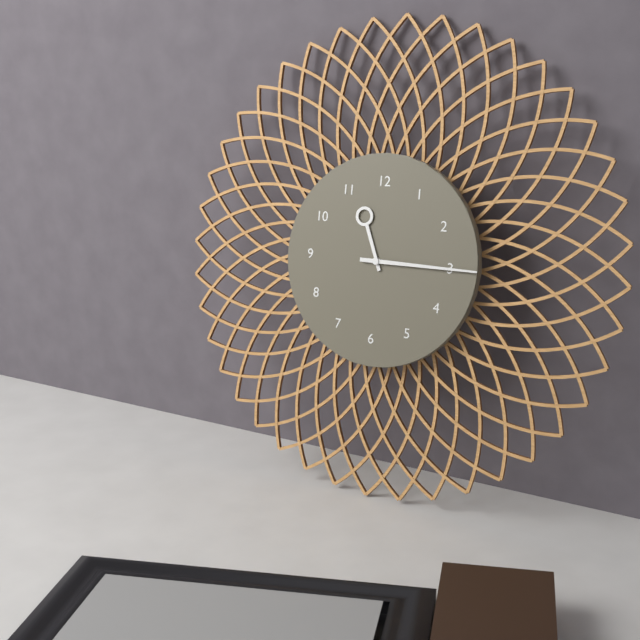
11:15
